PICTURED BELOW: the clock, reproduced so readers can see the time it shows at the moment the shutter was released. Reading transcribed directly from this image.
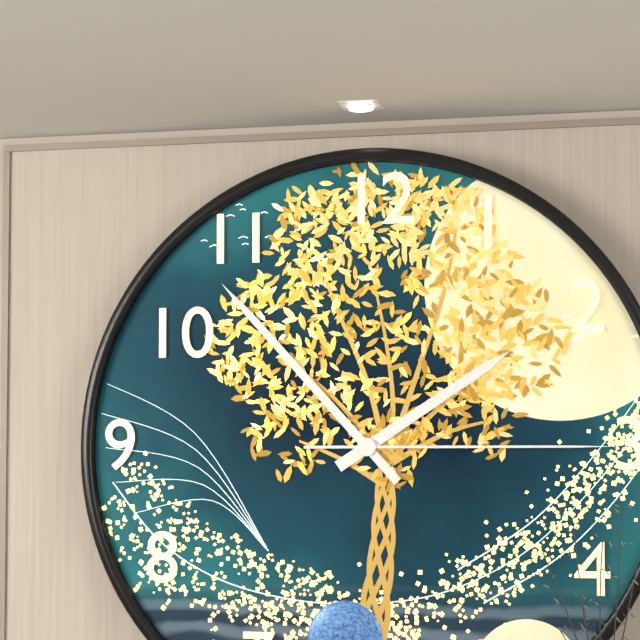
1:53:15
